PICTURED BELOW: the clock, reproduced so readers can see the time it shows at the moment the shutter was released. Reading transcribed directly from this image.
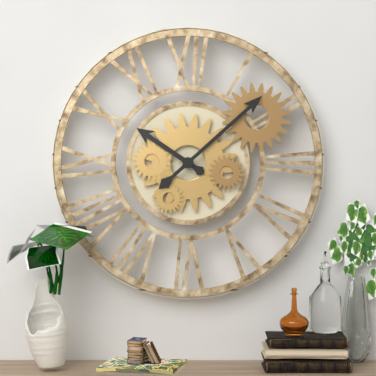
10:08
